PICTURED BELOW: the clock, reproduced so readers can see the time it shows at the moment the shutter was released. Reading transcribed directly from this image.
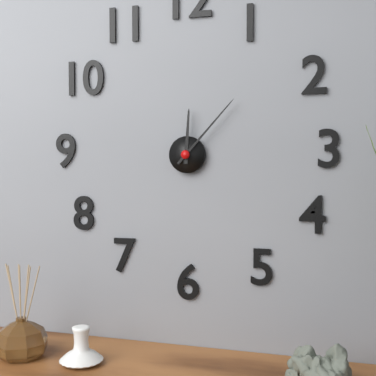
12:07
